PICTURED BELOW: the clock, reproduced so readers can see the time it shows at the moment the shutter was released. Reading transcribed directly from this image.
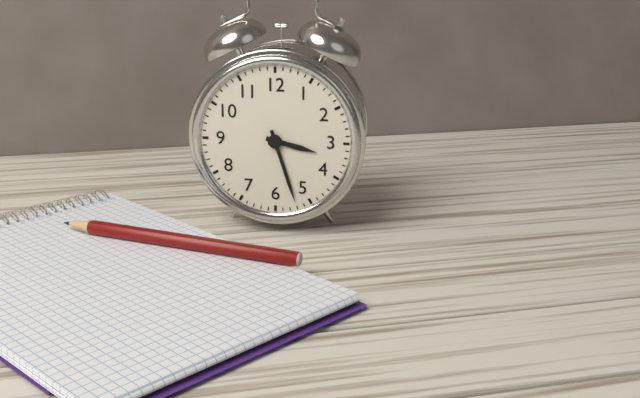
3:27
